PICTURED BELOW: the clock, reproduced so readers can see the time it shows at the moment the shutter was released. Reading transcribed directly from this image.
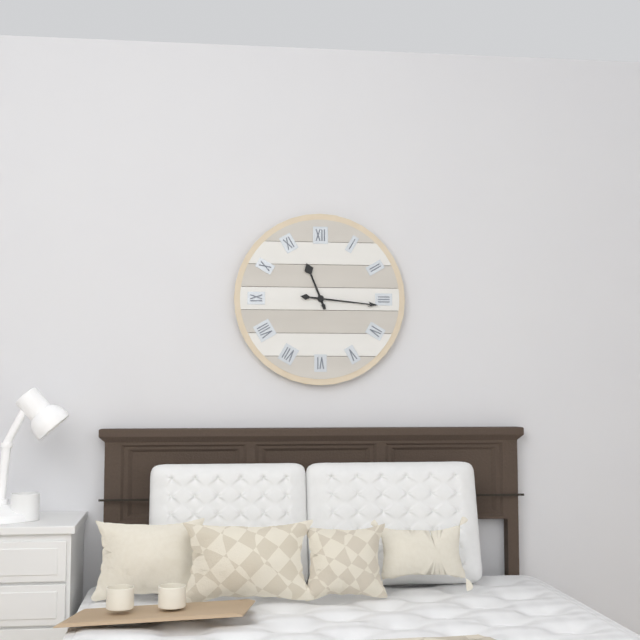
11:16
